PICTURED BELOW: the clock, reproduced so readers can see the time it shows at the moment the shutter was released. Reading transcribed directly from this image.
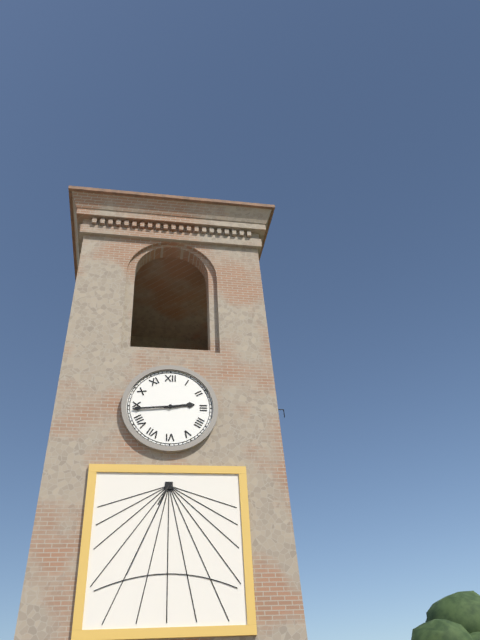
2:44
